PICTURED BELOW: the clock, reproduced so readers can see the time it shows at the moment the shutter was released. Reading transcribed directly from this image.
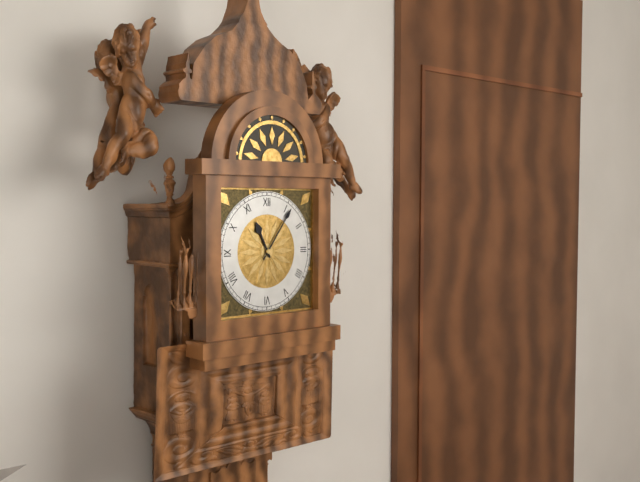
11:06
